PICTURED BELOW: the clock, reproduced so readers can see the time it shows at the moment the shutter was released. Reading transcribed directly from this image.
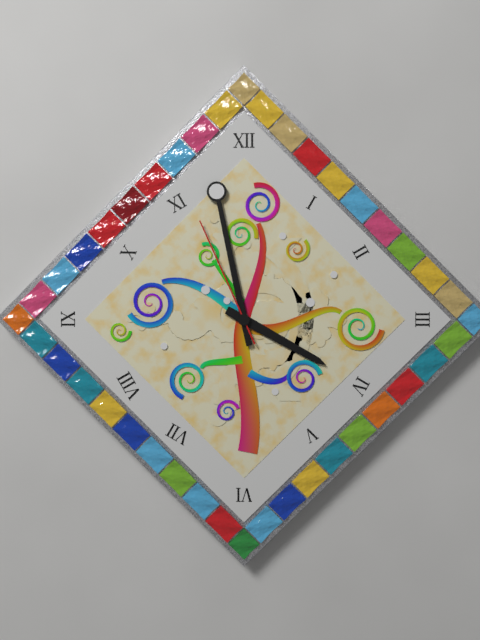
3:58:56
